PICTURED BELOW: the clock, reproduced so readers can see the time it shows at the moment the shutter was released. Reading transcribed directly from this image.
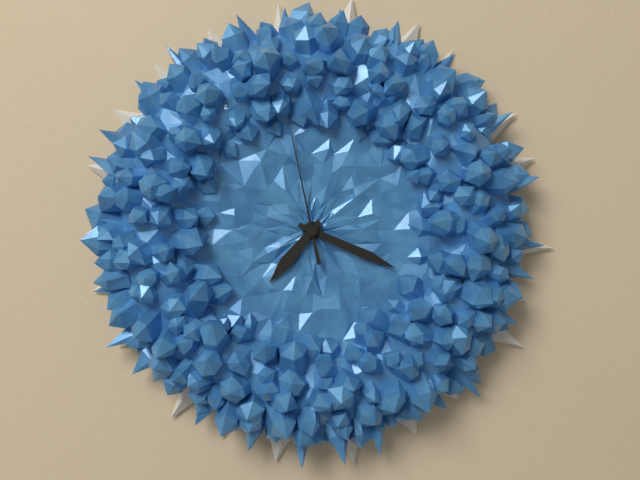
7:19:58
